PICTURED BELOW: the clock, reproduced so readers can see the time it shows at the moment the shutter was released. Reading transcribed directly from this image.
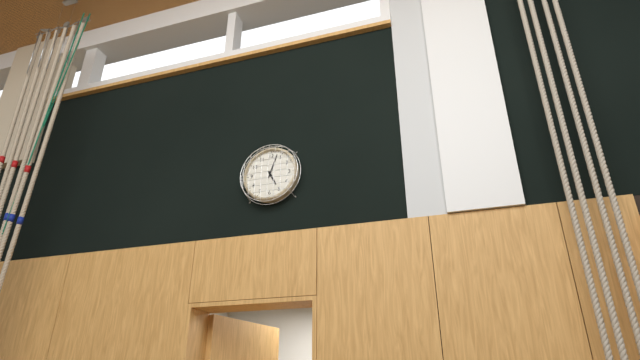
5:03
